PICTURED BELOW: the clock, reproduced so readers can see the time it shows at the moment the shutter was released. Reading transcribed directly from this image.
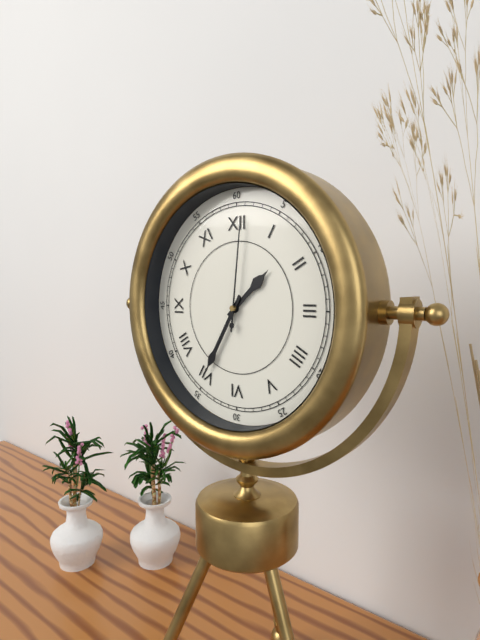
1:35:01
